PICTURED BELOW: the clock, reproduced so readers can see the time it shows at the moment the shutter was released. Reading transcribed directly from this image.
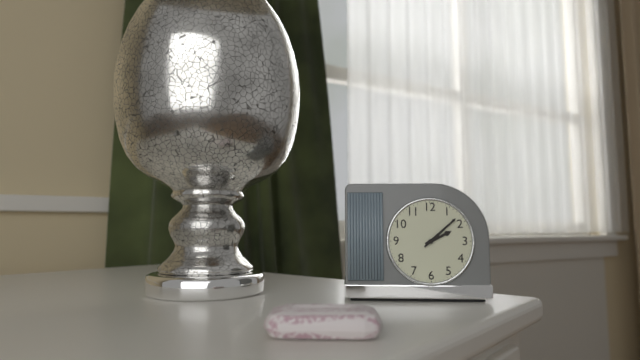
2:08
